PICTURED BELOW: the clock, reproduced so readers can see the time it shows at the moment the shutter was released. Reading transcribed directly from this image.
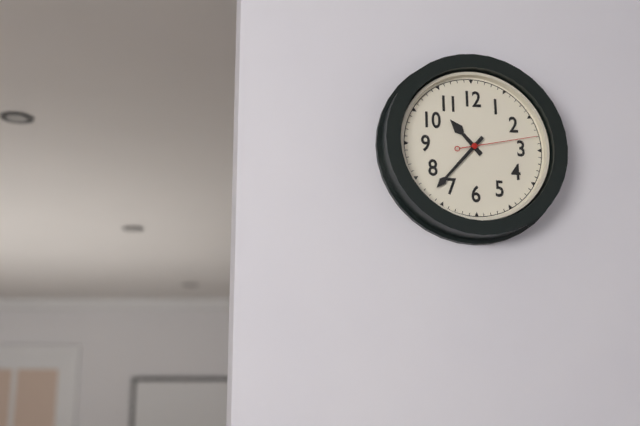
10:37:13
